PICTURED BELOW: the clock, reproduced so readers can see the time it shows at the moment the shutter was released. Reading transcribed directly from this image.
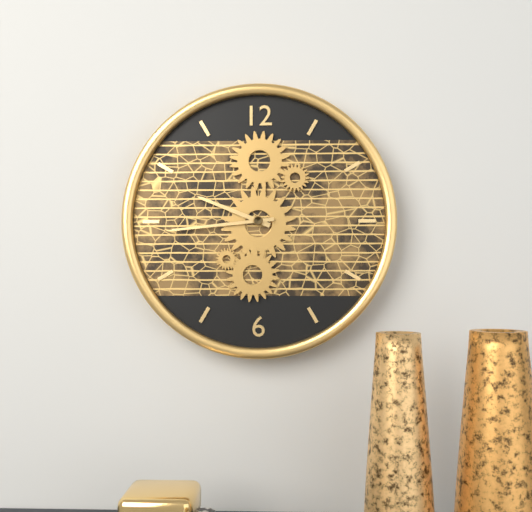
9:44
